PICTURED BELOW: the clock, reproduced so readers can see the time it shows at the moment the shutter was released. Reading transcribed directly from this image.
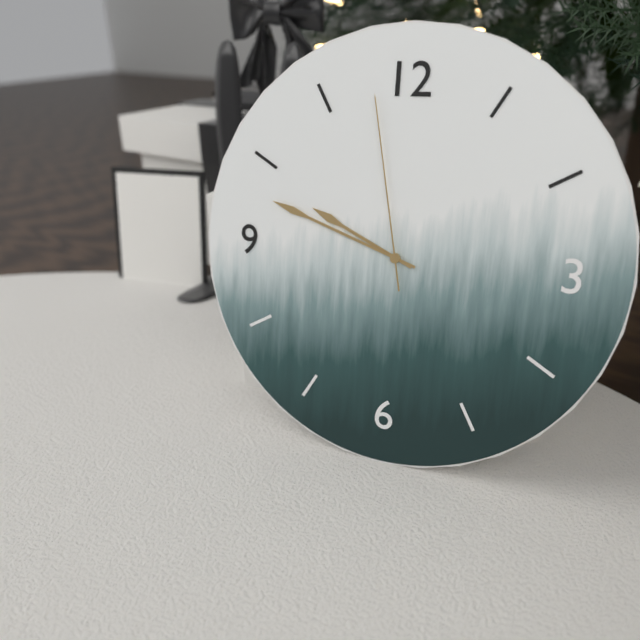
9:48:58
